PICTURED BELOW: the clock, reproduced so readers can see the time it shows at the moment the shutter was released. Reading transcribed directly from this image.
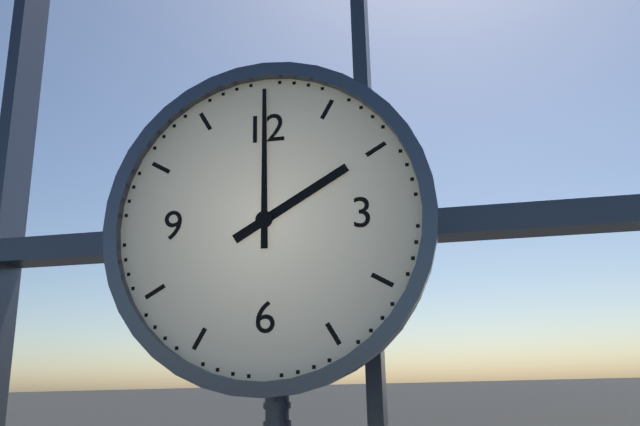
2:00
